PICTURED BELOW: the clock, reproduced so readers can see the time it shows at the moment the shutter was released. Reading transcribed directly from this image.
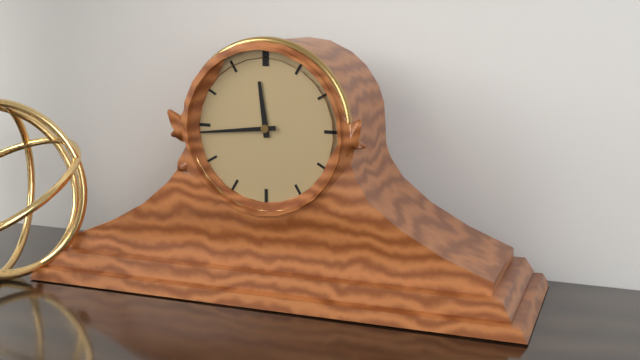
11:44
